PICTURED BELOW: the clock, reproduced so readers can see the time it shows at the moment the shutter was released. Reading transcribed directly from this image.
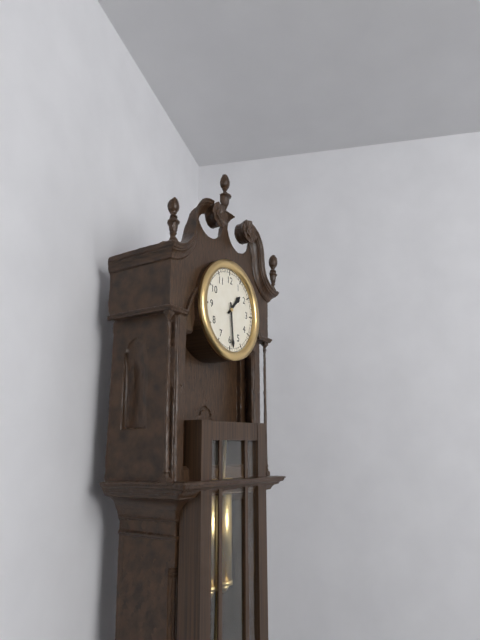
1:29
